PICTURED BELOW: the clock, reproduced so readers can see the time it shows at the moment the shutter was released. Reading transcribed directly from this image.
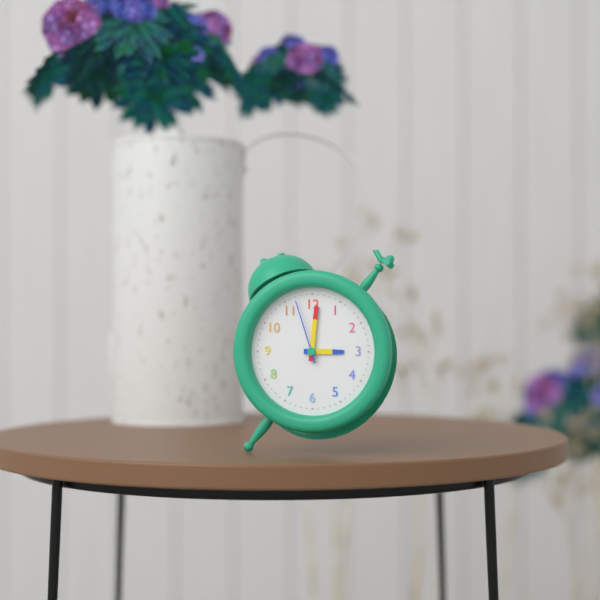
3:01:57
